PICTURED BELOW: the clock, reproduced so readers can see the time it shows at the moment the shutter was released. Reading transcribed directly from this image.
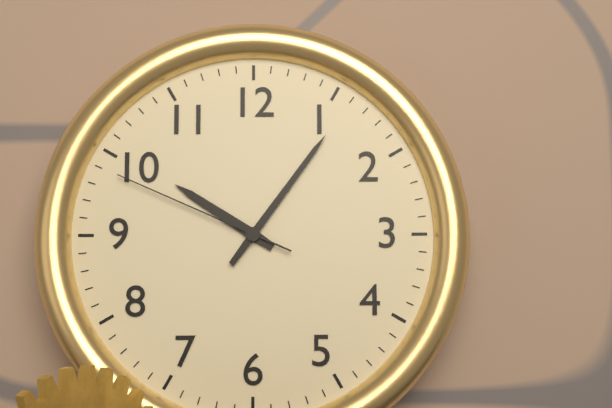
10:06:49
